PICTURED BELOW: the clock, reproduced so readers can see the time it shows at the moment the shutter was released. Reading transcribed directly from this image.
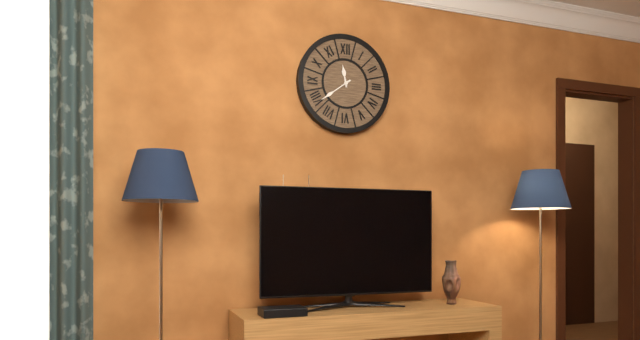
11:39
